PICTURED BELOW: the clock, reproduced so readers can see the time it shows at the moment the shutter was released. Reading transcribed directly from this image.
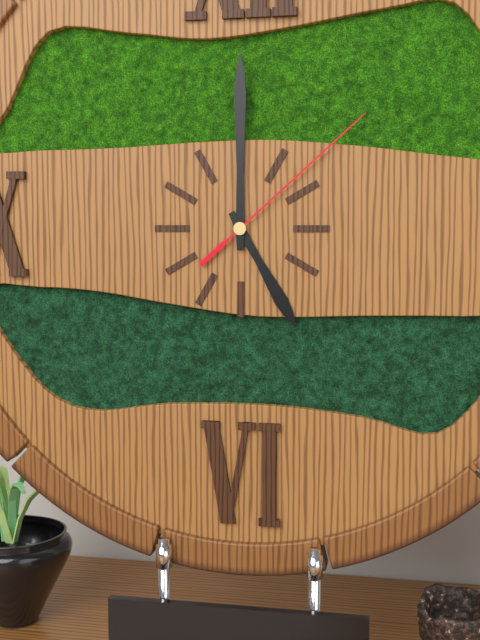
5:00:08
